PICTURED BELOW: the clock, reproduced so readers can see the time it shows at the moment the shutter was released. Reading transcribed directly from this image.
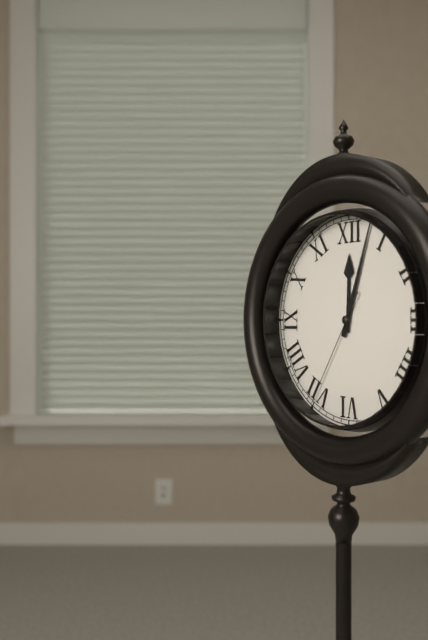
12:03:35
